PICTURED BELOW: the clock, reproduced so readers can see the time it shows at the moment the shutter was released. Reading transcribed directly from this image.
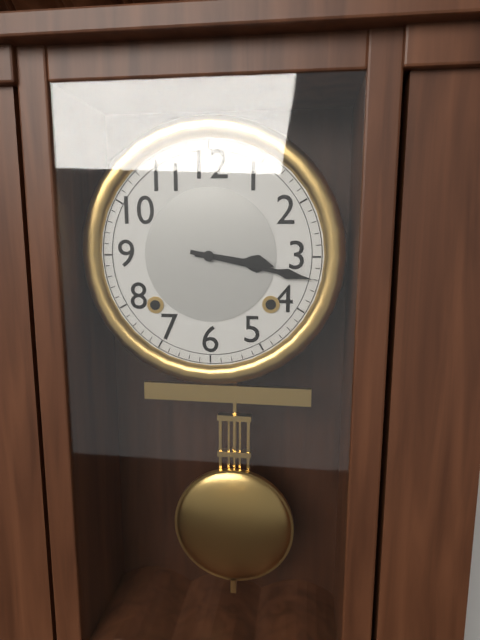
3:17
